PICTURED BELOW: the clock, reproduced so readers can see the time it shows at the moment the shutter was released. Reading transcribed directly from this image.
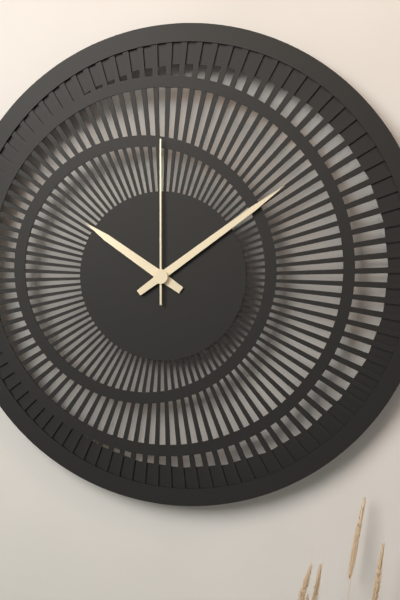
10:09:00
